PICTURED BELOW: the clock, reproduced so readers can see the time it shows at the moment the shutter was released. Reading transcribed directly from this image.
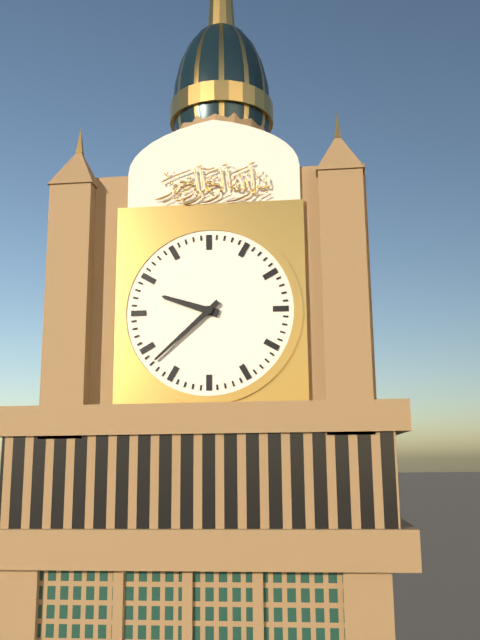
9:38
